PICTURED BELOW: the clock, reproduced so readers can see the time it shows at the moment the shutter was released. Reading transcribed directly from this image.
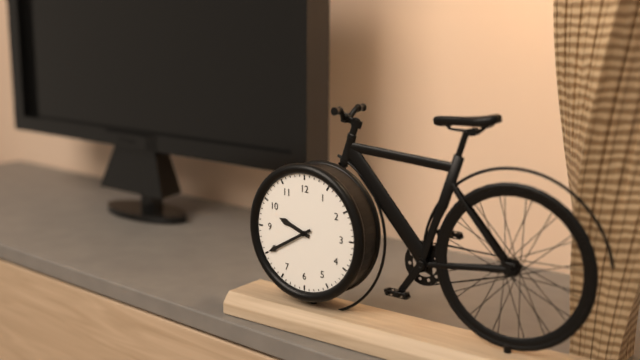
9:40
